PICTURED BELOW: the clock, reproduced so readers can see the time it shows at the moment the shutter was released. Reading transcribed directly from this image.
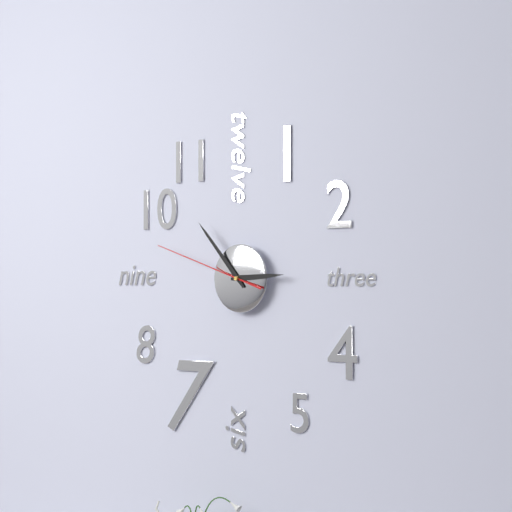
2:53:48
